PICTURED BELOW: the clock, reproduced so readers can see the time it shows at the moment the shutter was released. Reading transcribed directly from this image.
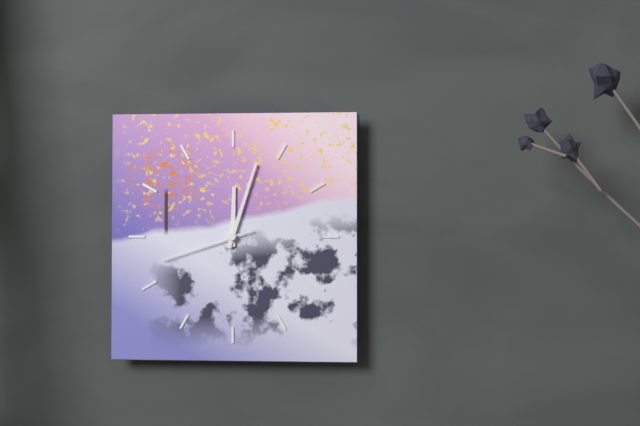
12:03:42
